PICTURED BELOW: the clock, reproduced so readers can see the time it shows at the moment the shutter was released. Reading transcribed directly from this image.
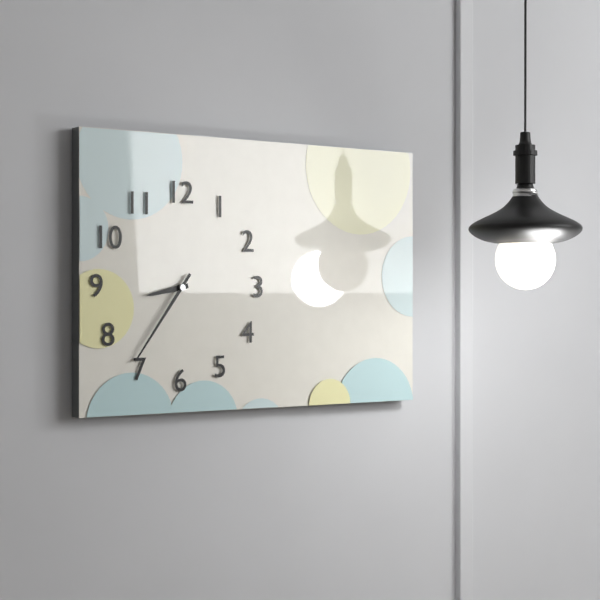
8:36
